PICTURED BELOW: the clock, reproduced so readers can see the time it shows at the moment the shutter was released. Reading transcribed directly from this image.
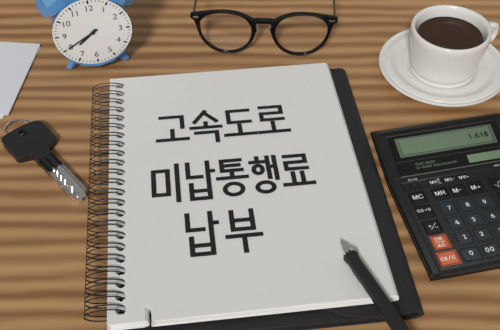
7:40
